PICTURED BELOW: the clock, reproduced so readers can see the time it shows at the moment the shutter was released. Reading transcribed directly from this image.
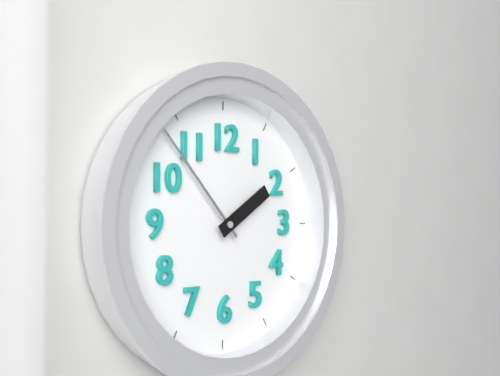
1:53
